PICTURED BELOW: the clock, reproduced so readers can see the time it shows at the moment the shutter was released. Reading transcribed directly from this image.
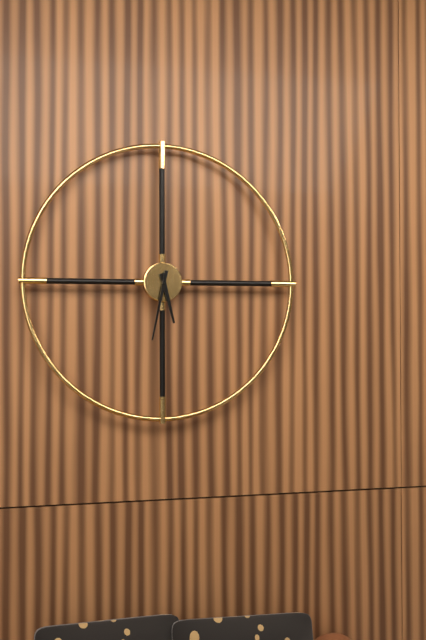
5:32
